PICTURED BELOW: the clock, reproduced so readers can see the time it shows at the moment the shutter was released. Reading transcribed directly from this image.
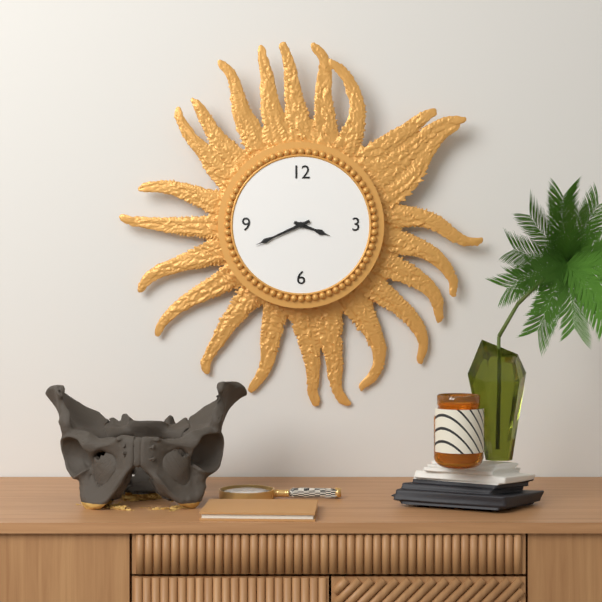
3:41
